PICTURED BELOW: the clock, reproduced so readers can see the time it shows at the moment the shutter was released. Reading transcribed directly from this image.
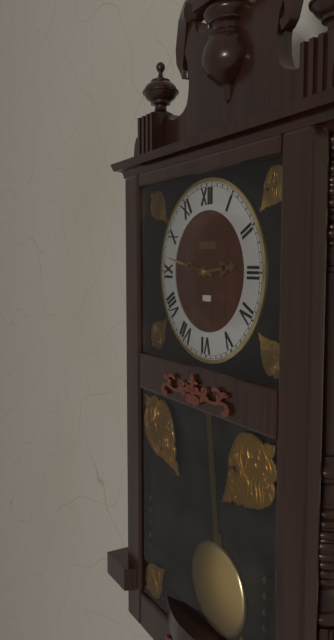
2:47
